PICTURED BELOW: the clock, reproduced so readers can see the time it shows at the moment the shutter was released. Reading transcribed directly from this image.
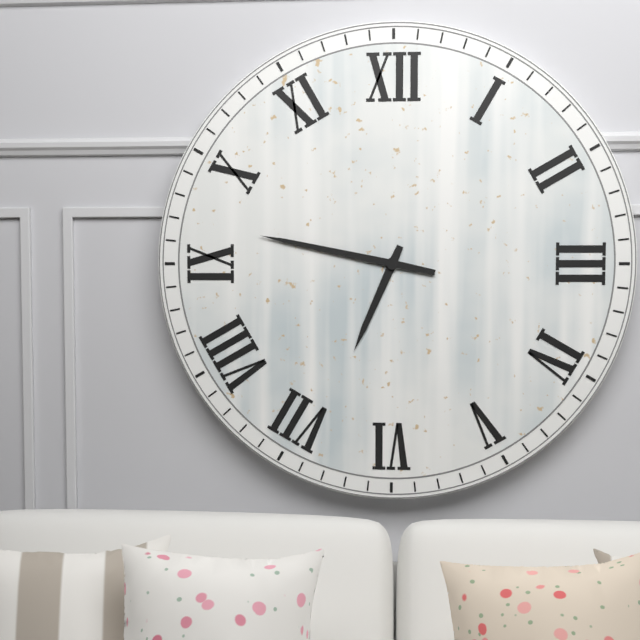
6:47
